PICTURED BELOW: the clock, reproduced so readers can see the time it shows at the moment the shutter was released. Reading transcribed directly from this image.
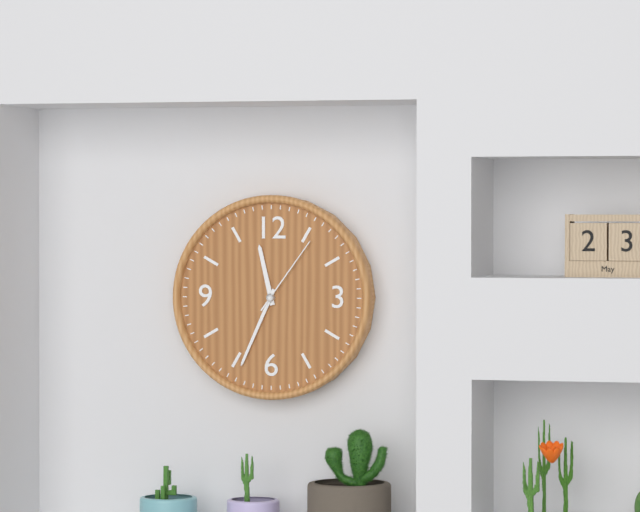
11:34:06
